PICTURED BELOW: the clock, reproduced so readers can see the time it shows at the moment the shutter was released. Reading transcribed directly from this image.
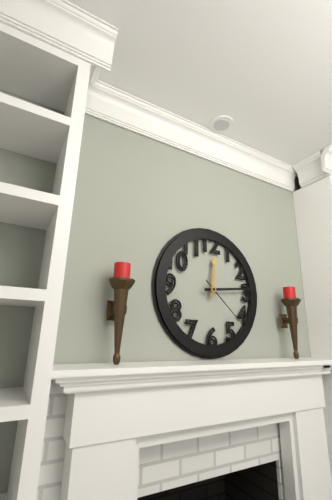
12:14:22
